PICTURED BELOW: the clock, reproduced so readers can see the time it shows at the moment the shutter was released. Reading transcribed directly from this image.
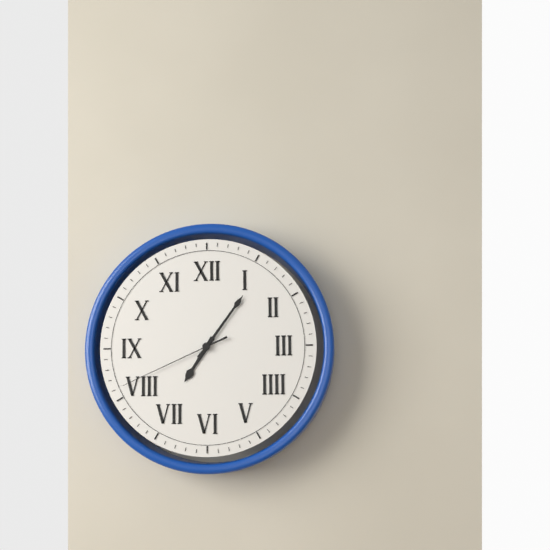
7:06:41
